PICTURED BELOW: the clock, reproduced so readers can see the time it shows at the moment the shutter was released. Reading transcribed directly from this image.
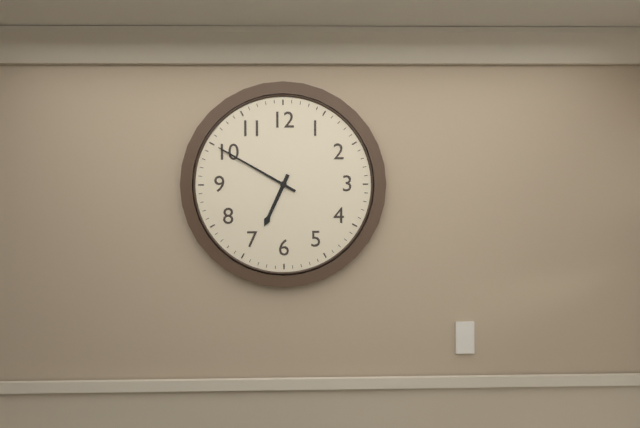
6:50
